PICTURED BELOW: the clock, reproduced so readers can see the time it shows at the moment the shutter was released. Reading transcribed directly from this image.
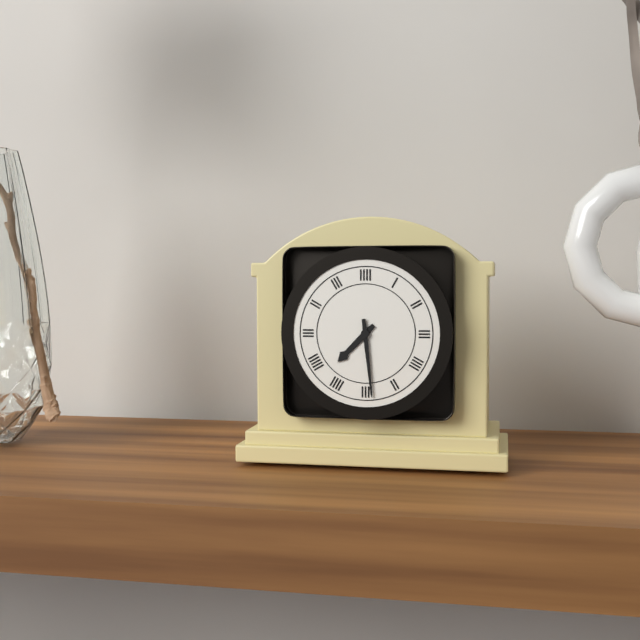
7:29
